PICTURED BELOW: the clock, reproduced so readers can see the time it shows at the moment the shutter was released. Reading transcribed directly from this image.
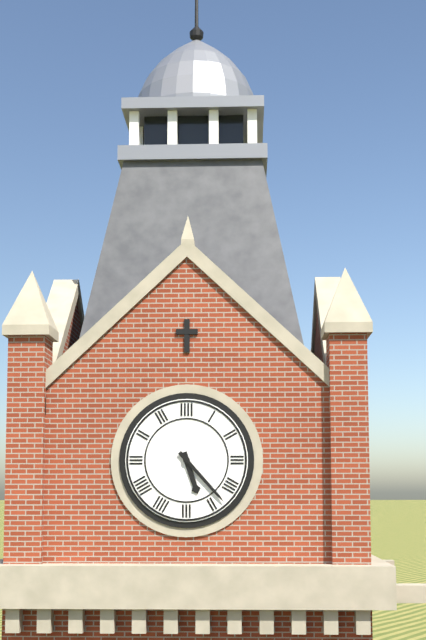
5:23
